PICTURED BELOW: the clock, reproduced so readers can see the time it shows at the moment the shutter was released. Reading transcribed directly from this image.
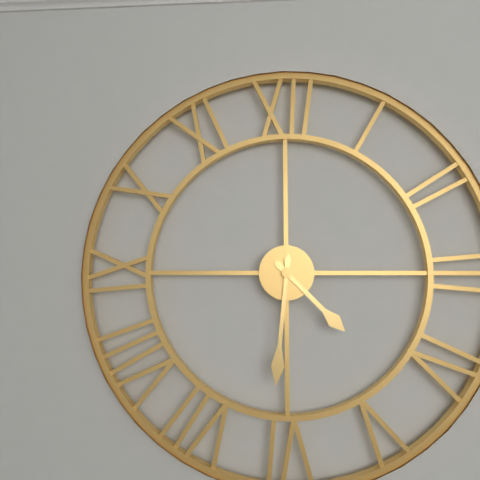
4:31
